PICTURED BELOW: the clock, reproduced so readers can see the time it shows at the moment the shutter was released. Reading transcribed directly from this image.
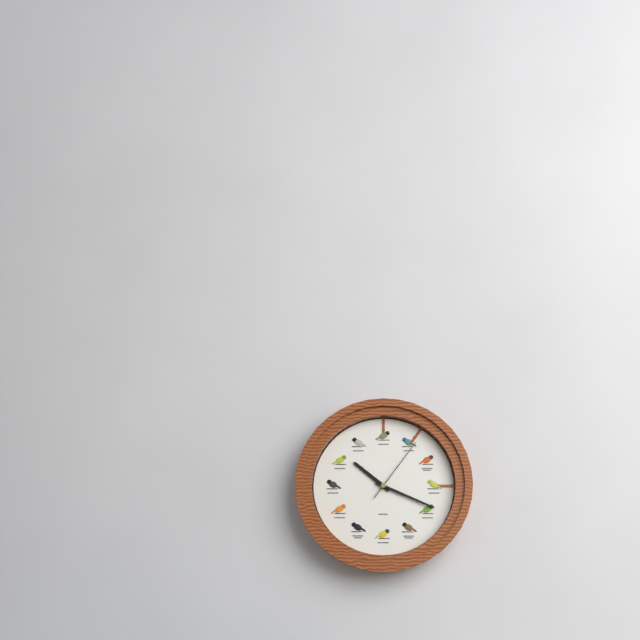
10:19:06
